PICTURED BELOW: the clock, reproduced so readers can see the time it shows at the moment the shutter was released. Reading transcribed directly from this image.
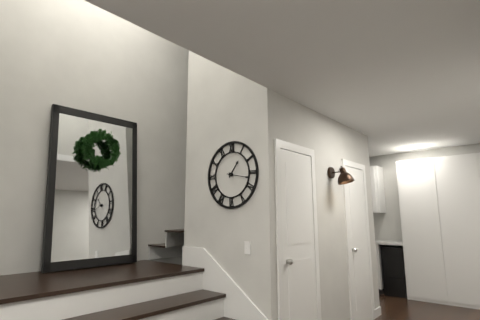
1:17
